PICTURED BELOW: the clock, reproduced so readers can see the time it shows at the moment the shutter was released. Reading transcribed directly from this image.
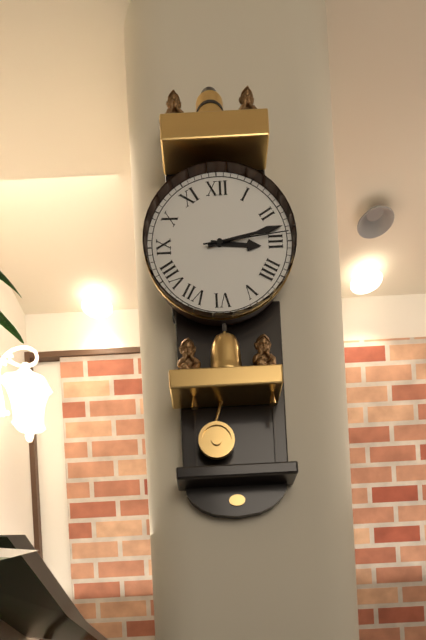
3:13:14
